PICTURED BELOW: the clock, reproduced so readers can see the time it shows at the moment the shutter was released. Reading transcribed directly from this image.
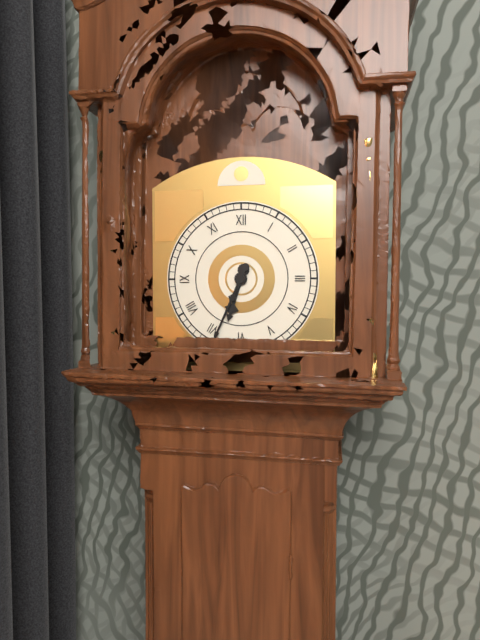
6:34
